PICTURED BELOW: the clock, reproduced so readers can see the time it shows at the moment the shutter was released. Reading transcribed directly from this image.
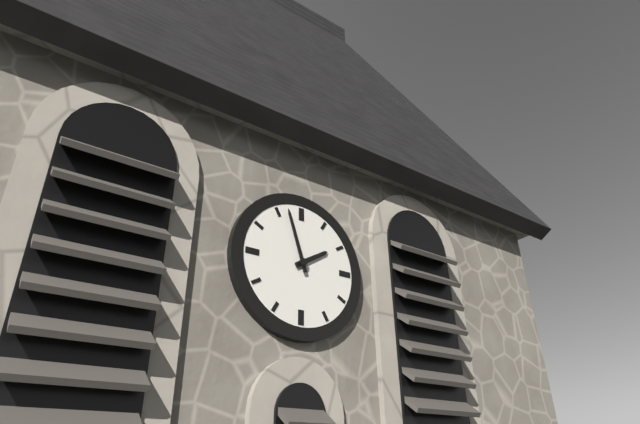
1:57
